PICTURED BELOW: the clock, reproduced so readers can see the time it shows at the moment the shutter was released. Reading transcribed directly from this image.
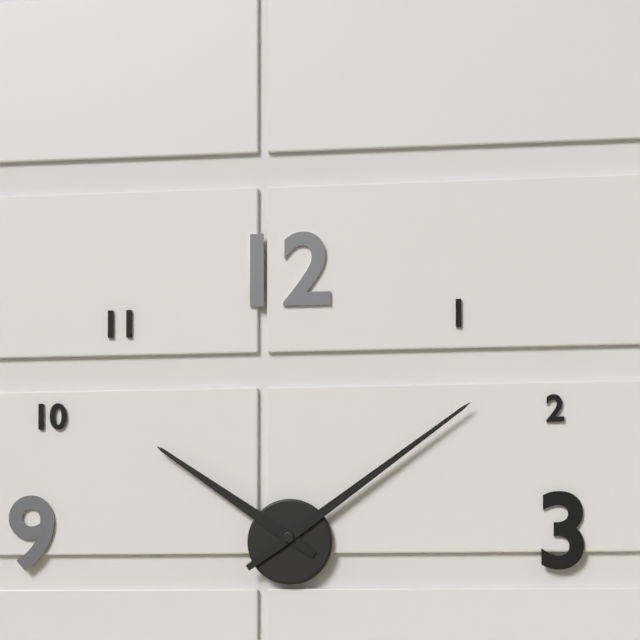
10:09
